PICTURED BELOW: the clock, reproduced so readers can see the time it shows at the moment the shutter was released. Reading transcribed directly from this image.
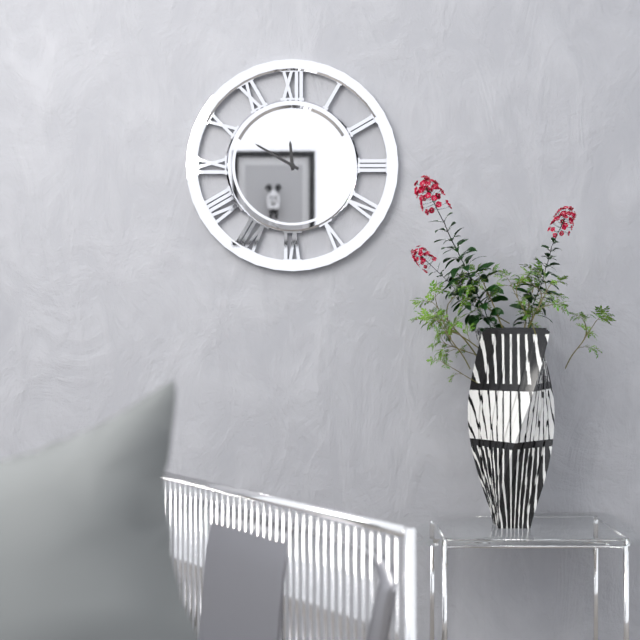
11:50
